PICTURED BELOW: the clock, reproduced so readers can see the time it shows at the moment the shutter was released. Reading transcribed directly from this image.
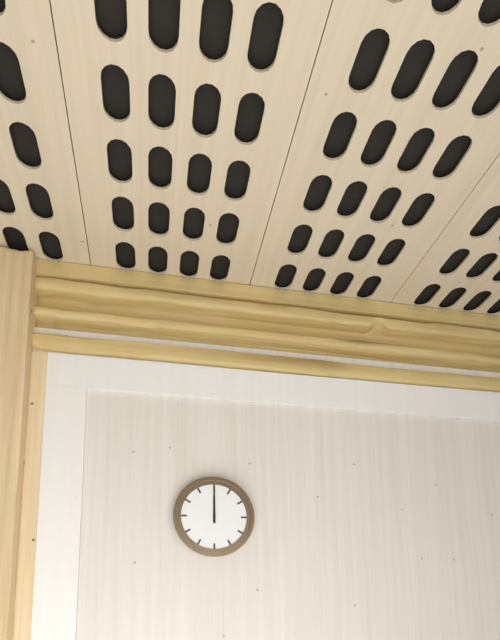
12:00
